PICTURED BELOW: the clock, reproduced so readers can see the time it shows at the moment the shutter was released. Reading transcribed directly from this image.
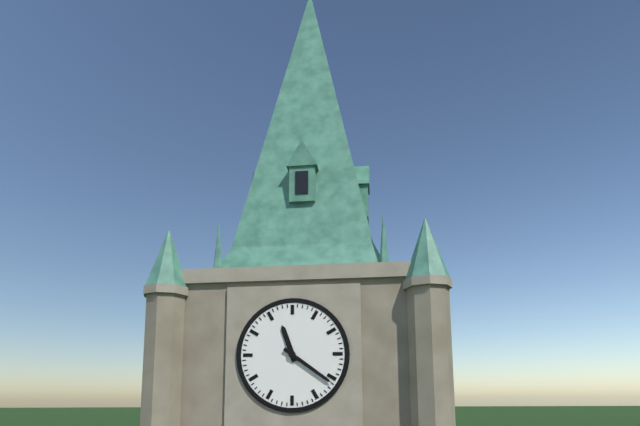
11:21
